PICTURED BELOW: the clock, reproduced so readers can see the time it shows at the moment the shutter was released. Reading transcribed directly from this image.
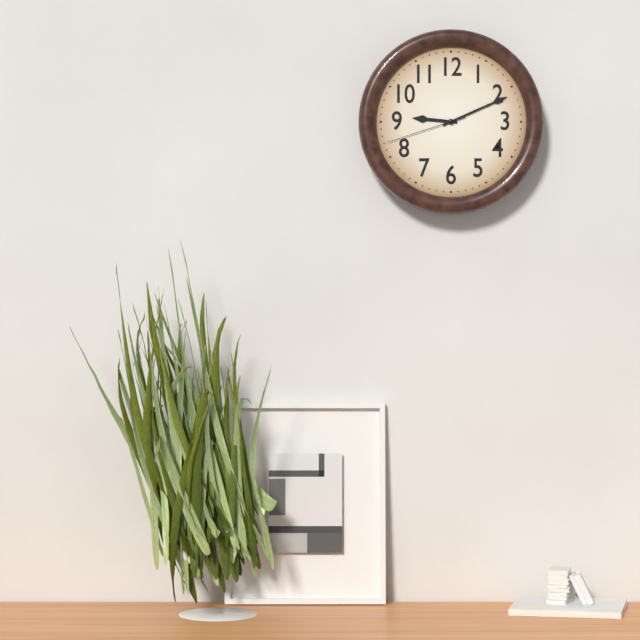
9:11:42
